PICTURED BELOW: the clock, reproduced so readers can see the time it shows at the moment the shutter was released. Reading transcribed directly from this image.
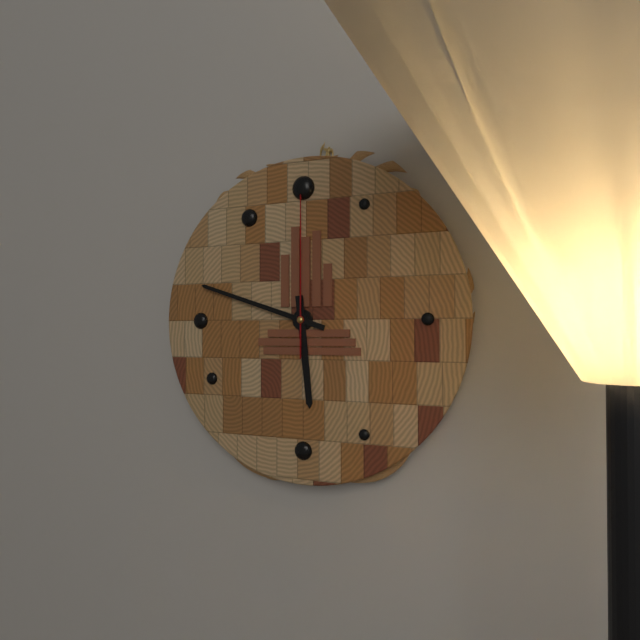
5:48:00
